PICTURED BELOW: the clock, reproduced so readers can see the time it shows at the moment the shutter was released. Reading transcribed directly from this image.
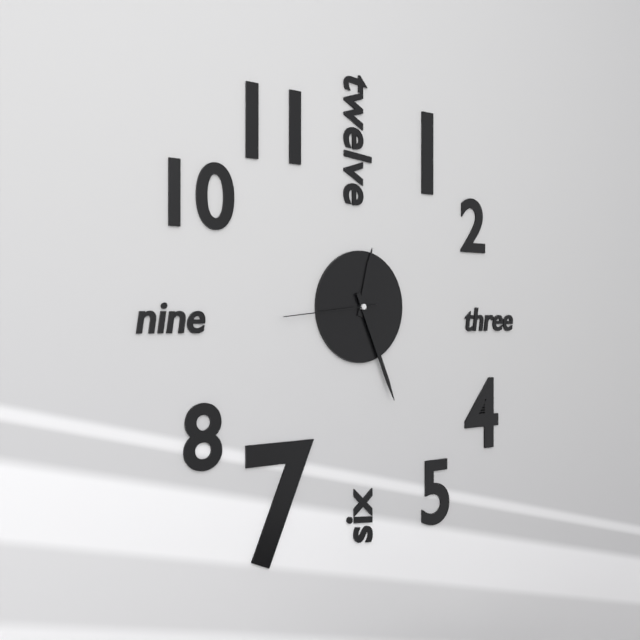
12:26:44
